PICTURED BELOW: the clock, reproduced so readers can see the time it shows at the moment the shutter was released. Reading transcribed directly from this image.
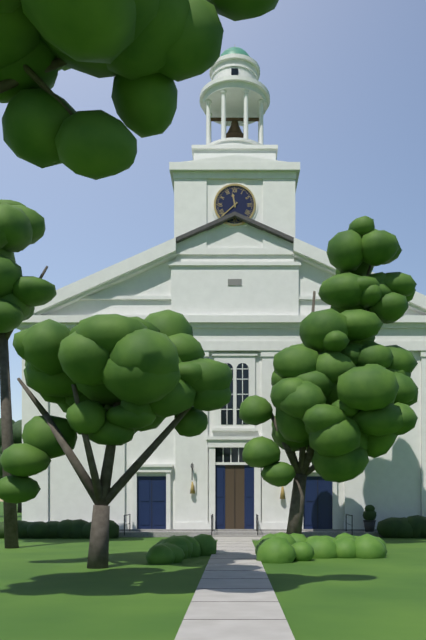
11:38
